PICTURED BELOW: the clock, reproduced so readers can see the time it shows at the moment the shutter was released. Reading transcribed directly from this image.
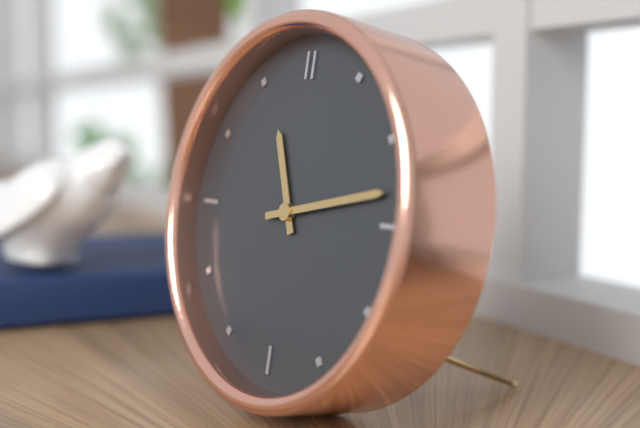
11:13
